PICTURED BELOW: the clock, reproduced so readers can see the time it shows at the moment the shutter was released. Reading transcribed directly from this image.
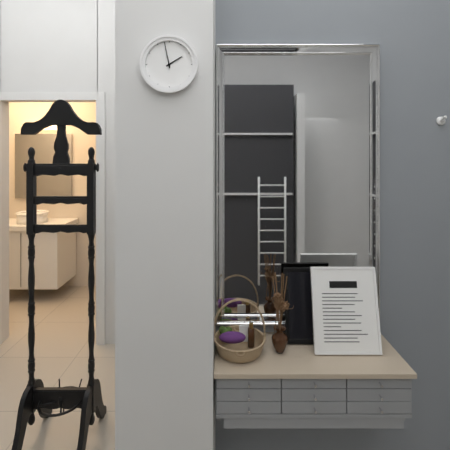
1:58
